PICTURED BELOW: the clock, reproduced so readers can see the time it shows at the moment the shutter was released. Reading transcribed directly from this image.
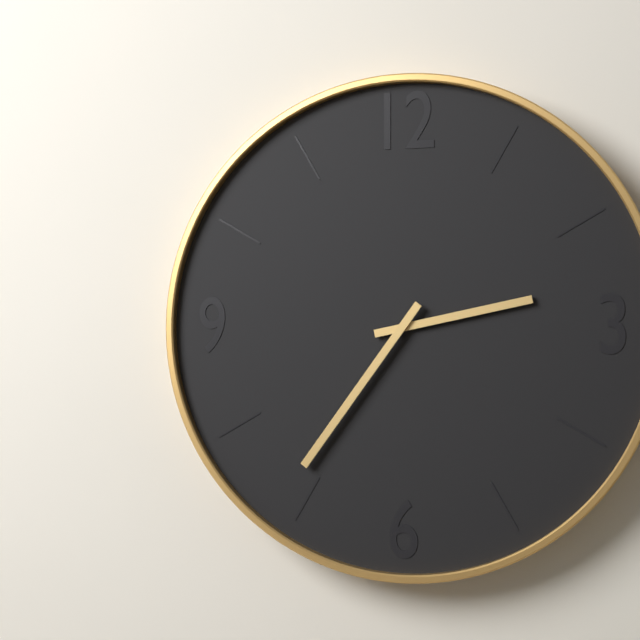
2:36
